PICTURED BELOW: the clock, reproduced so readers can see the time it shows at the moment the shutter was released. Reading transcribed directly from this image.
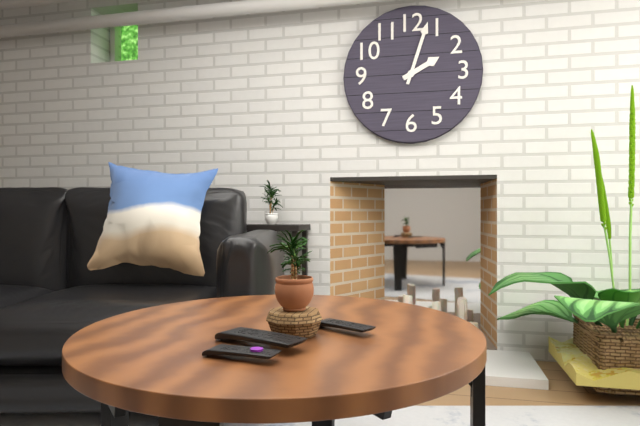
2:03
